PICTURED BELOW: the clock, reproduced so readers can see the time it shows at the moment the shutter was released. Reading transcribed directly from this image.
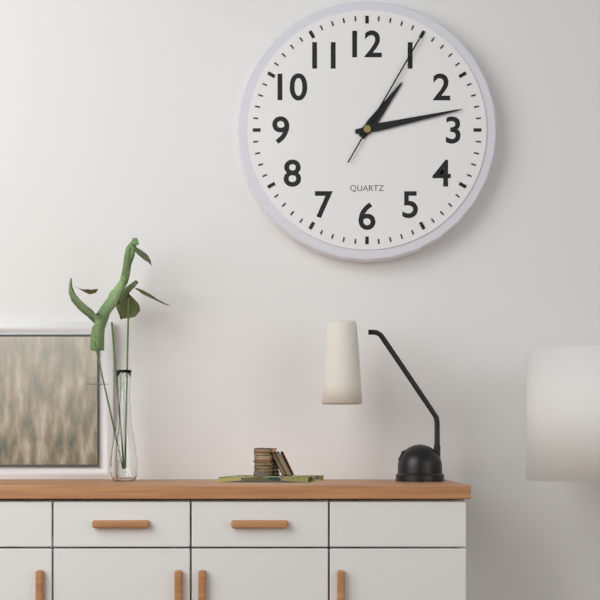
1:13:05
